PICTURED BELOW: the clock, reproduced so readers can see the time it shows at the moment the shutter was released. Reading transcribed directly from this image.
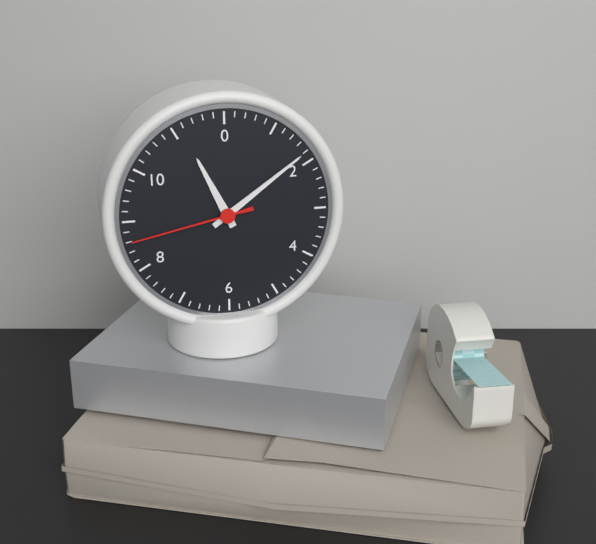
11:09:43
